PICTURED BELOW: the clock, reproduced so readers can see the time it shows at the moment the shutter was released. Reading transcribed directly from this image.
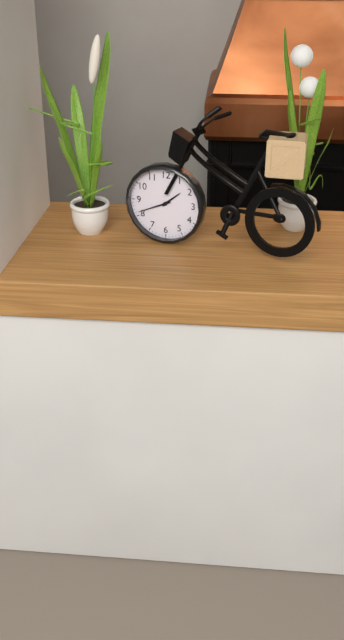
1:41
